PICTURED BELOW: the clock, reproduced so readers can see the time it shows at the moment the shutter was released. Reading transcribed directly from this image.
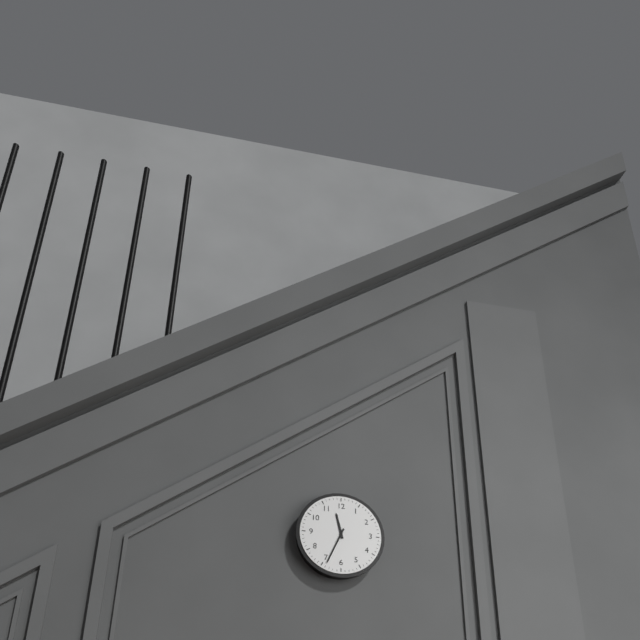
11:34
